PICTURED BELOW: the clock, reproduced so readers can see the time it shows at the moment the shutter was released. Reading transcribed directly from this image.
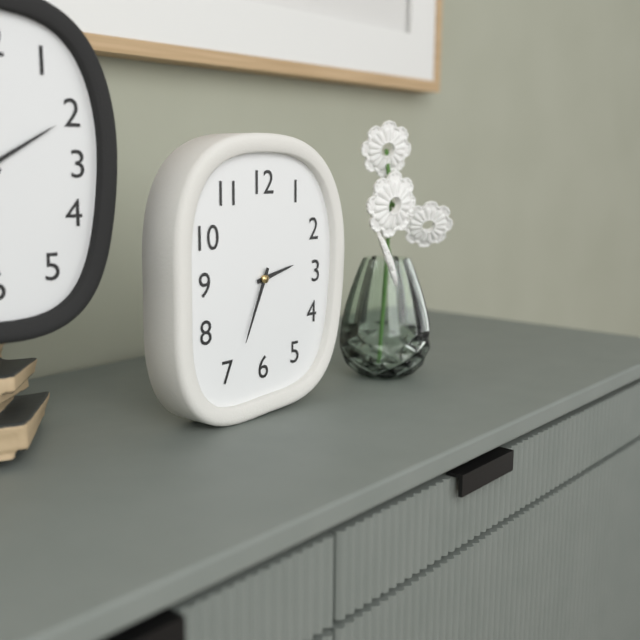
2:34
